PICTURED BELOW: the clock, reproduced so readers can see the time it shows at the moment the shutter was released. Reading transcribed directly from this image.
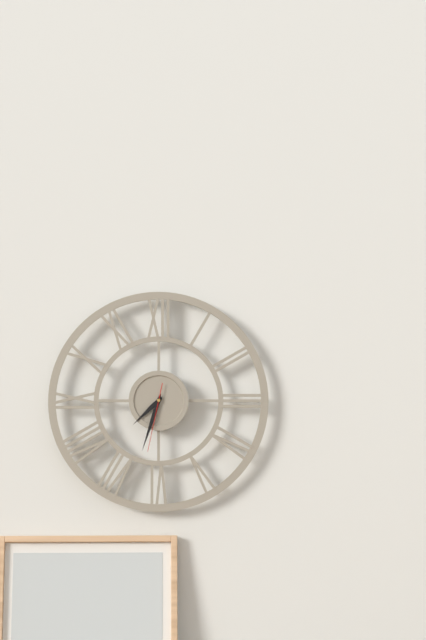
7:33:32
